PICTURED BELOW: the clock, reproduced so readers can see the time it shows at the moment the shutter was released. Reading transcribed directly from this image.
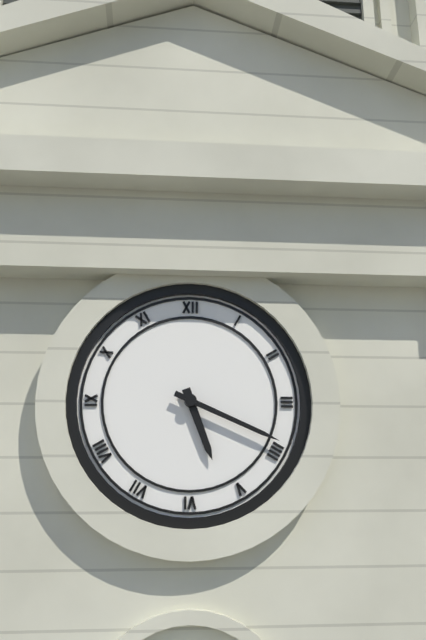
5:19
